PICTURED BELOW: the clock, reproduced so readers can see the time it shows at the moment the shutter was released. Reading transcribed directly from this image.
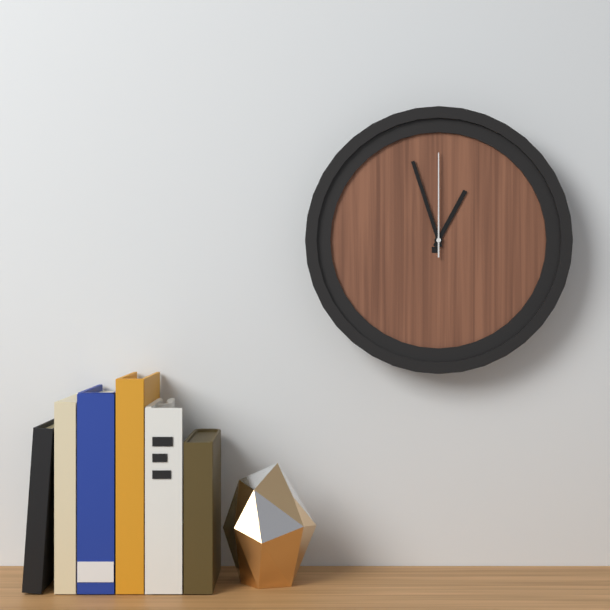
12:57:00
